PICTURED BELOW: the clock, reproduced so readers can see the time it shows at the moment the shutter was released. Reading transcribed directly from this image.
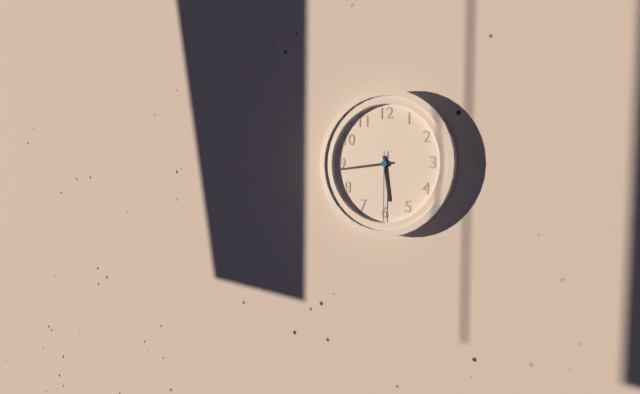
5:44:30
